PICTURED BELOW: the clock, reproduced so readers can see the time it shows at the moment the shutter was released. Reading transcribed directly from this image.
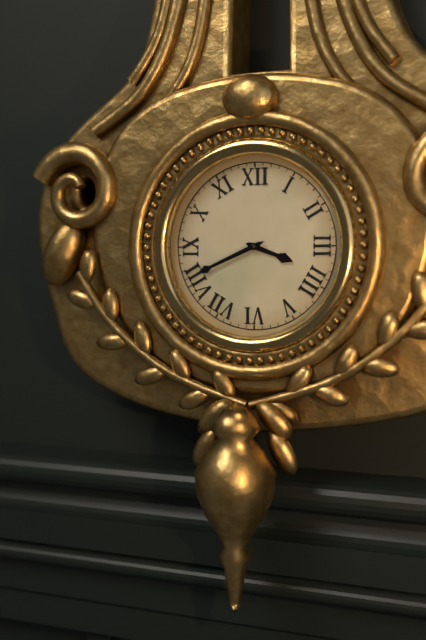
3:41
